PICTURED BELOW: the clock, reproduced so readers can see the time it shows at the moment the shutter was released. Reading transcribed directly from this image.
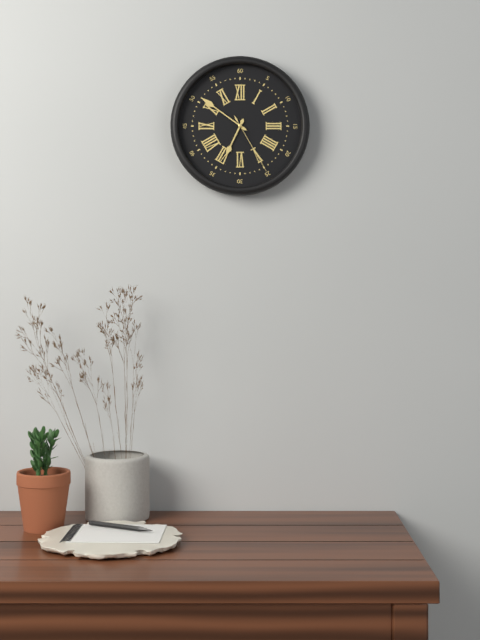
6:51:25
